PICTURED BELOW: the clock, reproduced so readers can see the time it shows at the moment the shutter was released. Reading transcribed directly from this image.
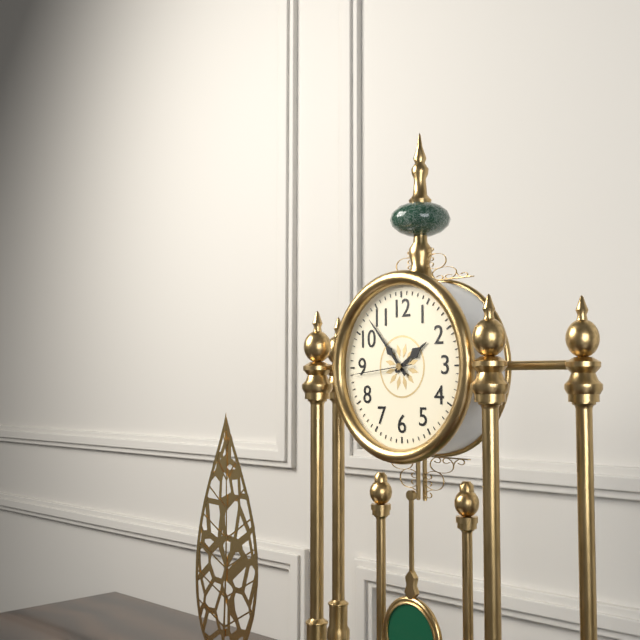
1:53:44
